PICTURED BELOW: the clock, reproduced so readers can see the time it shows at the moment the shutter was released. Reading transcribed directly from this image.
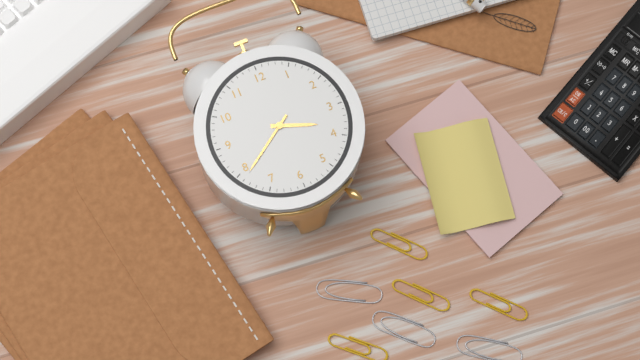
3:39
